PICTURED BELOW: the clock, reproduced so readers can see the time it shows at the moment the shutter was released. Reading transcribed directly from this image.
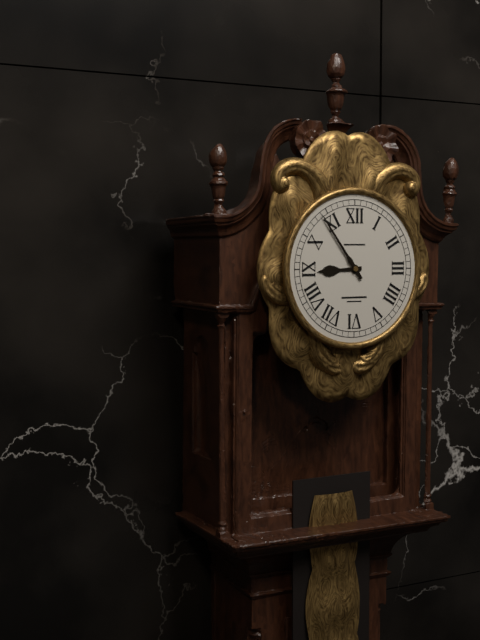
8:54
